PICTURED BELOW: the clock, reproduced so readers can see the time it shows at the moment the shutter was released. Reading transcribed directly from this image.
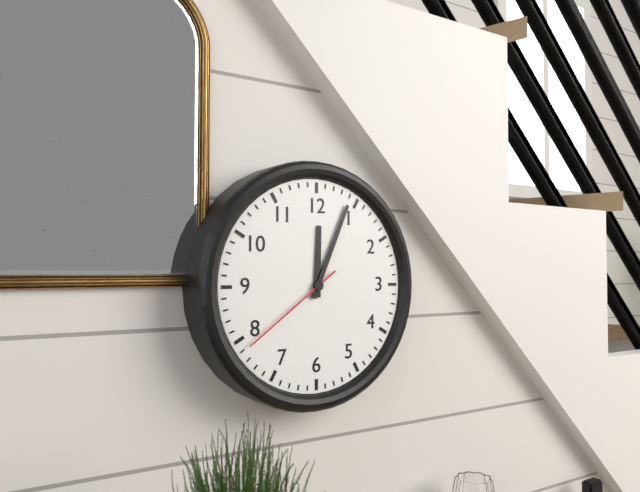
12:04:39
